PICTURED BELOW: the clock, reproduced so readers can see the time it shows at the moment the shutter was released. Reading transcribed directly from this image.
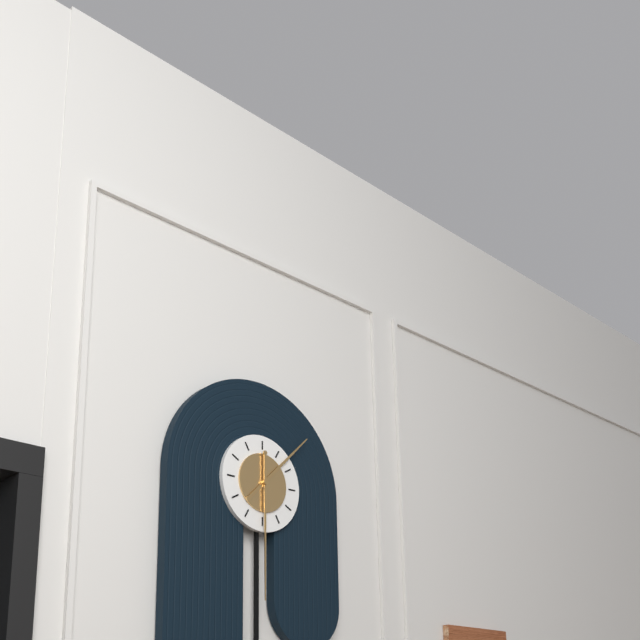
1:30
